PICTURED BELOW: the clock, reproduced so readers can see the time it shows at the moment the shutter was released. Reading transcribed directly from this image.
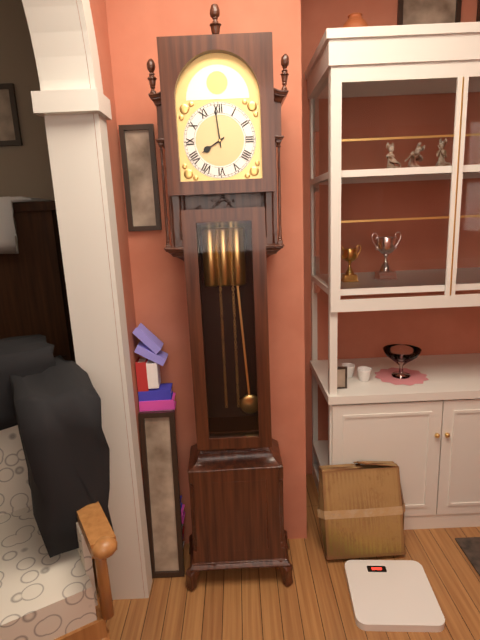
7:59
